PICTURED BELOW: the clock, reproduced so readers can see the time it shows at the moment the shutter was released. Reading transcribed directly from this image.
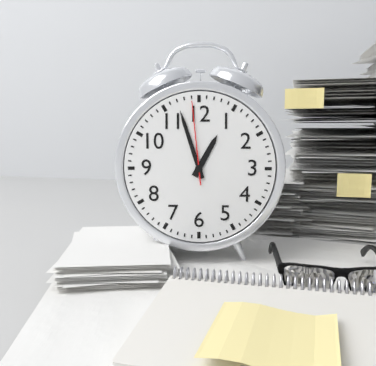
12:57:59
